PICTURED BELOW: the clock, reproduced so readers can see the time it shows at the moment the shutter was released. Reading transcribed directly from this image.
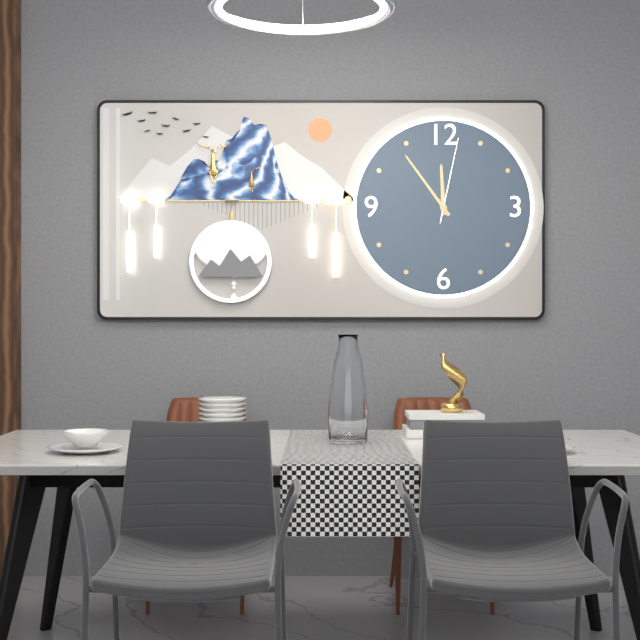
11:54:02
